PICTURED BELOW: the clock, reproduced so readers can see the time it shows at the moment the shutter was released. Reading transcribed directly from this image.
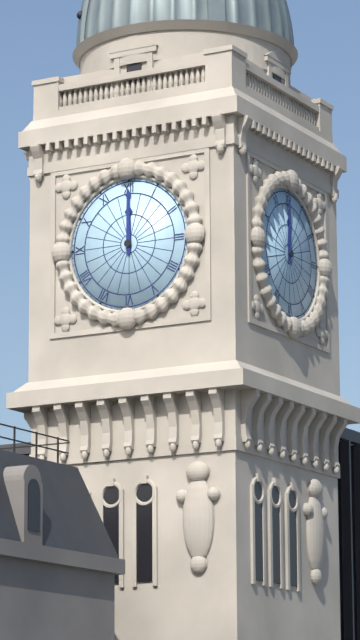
12:00
